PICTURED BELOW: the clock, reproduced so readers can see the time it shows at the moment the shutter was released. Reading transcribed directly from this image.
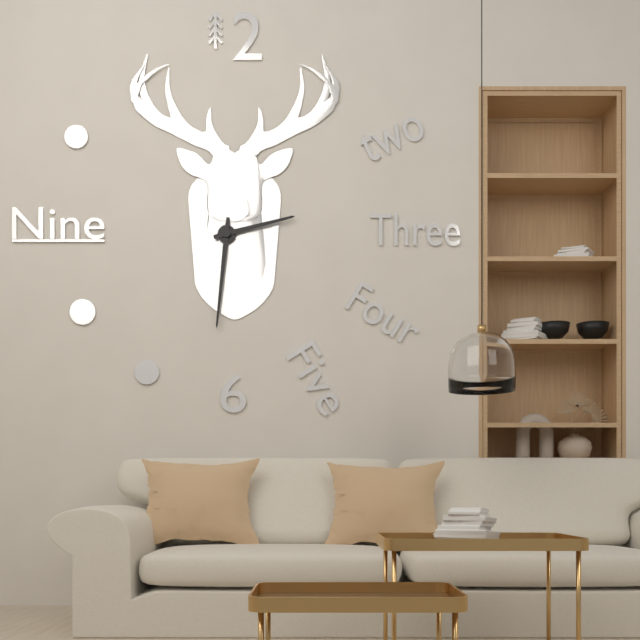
2:31
